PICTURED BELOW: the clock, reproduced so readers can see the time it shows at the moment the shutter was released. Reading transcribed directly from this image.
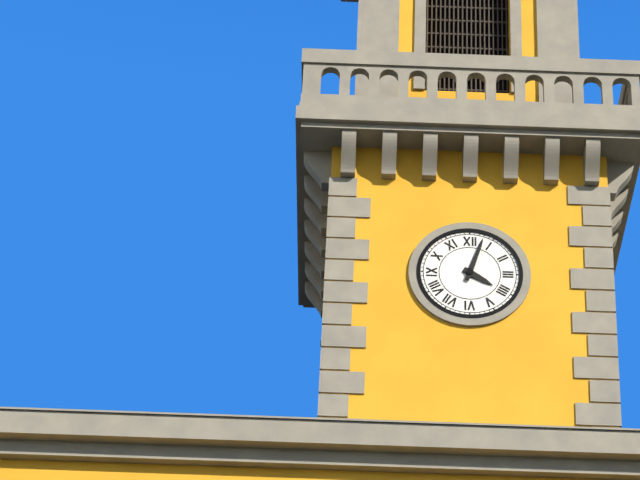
4:03
